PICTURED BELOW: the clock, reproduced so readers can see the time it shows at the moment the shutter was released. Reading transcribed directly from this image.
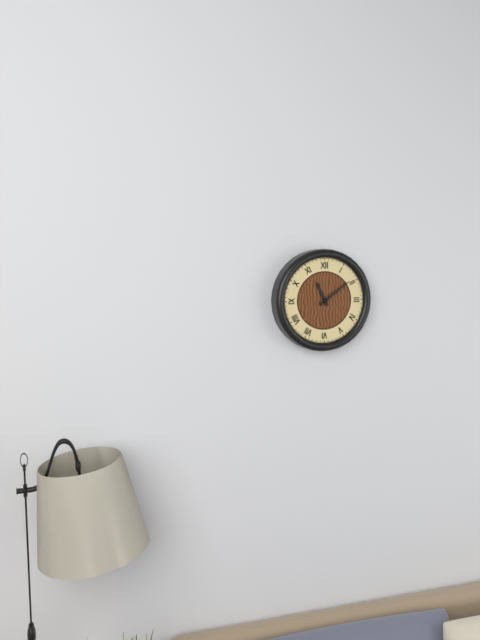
11:09
